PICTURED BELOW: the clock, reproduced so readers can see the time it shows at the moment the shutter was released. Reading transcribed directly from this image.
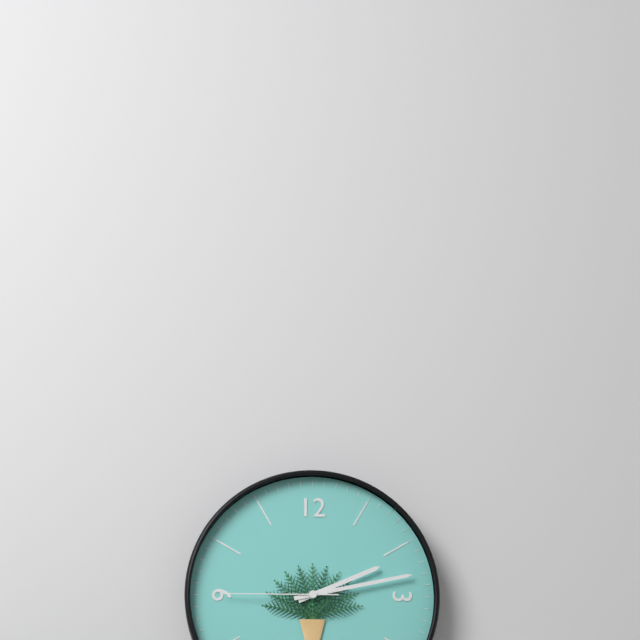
2:13:45
